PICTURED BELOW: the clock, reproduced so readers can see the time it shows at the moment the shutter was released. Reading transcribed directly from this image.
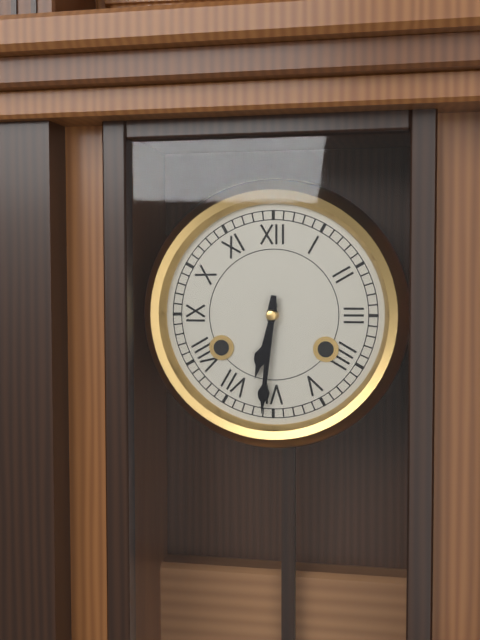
6:31
